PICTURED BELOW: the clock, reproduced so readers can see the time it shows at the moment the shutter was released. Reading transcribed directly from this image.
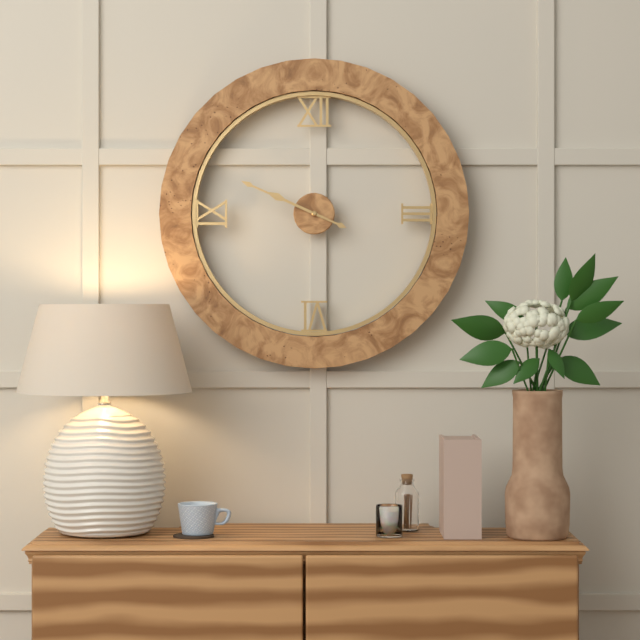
9:49
